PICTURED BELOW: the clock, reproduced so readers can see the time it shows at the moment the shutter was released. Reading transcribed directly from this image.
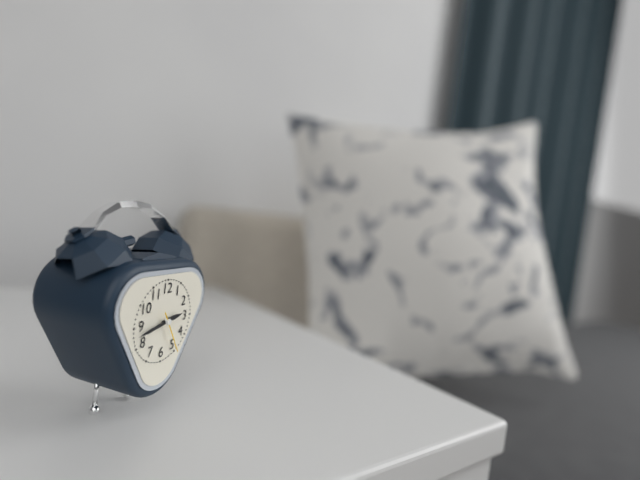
2:43
